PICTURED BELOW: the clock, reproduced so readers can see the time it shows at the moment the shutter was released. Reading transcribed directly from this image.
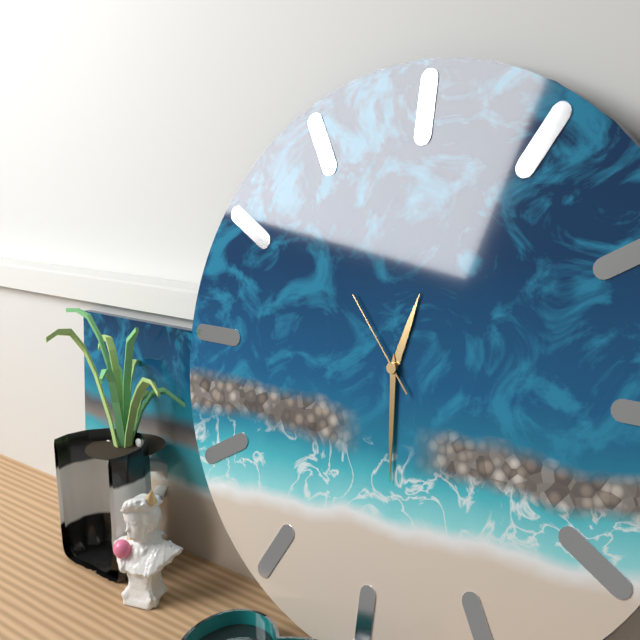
12:29:53
